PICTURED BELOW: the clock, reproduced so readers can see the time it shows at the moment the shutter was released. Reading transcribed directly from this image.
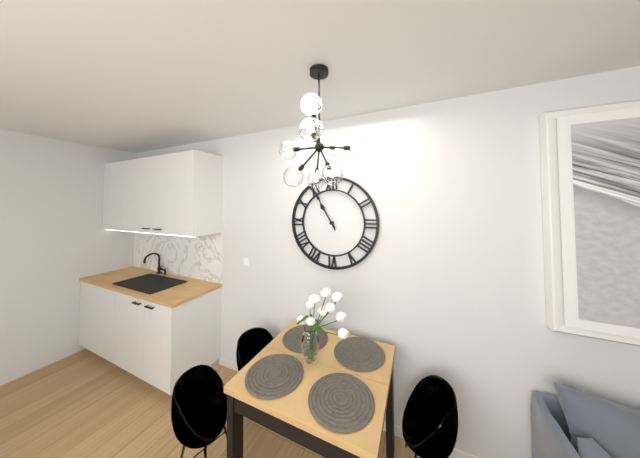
10:55
